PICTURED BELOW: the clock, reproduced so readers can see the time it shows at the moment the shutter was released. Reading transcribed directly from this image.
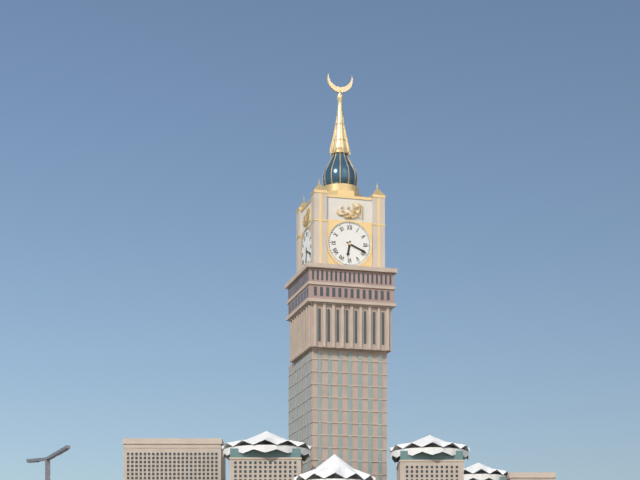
6:19
